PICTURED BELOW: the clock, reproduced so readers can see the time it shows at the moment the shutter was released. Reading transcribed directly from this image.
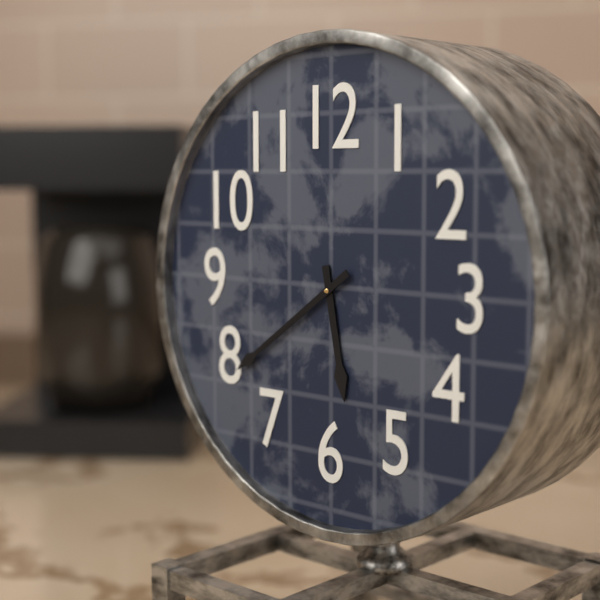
5:39
